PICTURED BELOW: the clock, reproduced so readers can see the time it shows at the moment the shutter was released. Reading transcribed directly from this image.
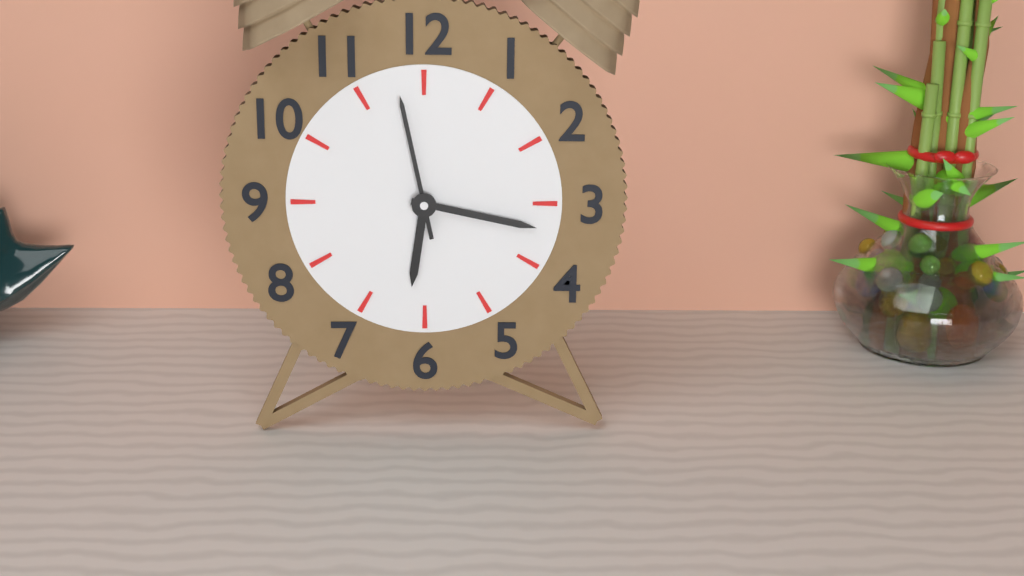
6:17:58
